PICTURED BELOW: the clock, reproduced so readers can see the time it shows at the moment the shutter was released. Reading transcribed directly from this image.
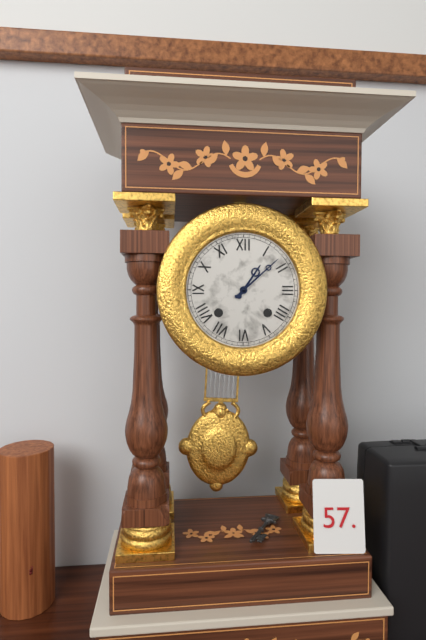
1:08
